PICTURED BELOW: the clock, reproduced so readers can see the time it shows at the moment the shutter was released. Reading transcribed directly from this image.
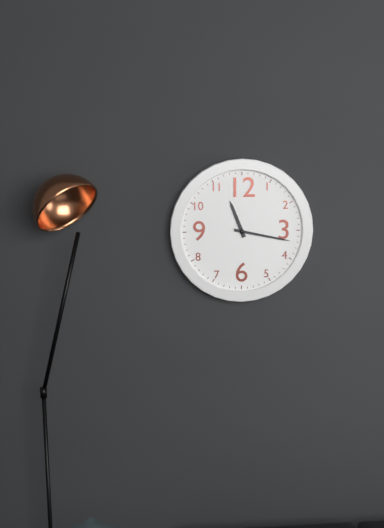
11:17
